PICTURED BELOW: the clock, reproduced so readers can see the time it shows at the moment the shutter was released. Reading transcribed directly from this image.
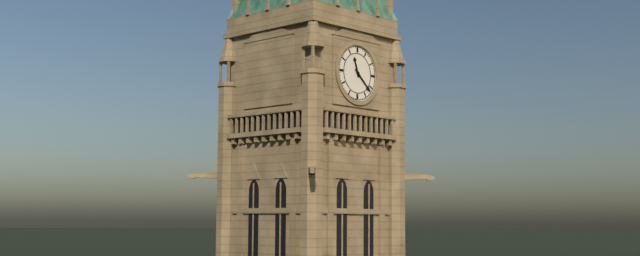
11:22
